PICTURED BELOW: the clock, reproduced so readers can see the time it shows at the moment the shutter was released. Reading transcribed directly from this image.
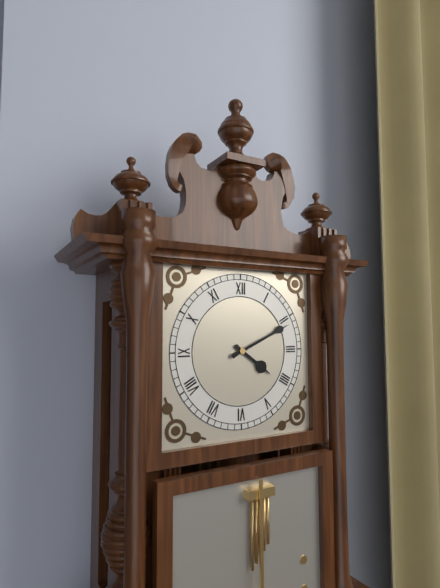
4:11
